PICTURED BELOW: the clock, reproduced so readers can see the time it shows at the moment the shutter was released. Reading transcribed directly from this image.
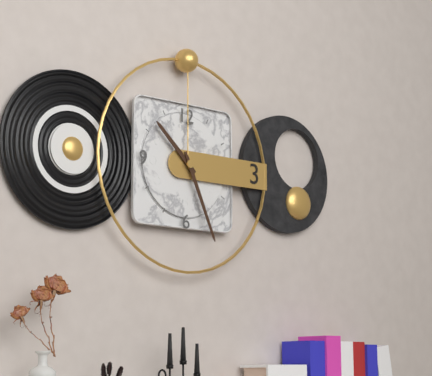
10:26
